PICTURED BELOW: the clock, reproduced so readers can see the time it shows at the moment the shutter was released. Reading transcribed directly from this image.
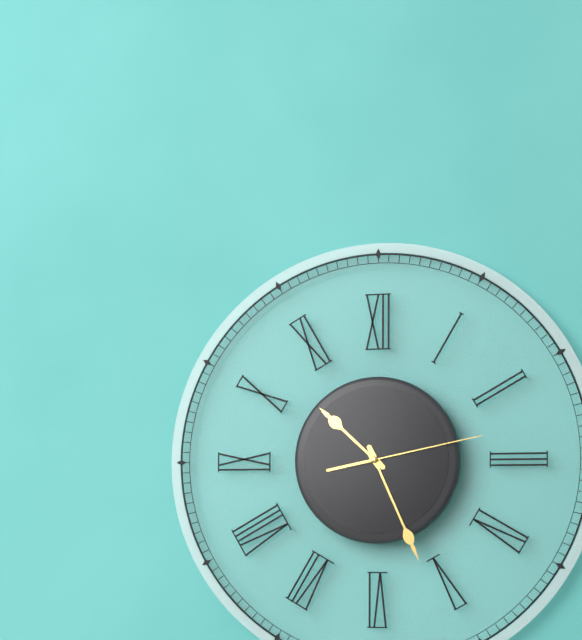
10:26:13
